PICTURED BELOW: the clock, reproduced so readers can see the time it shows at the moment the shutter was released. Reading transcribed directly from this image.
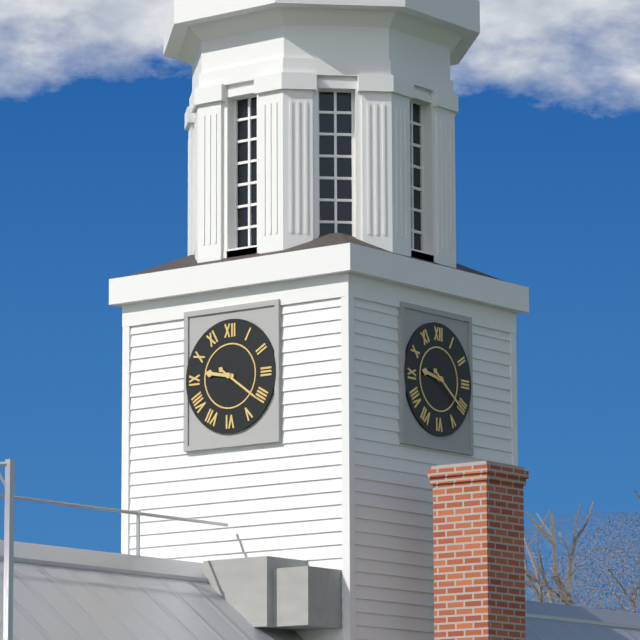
9:21
